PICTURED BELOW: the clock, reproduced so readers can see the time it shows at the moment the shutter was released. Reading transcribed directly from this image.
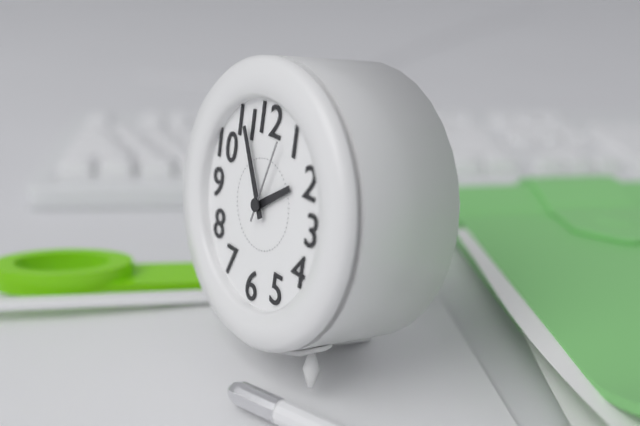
1:55:03
